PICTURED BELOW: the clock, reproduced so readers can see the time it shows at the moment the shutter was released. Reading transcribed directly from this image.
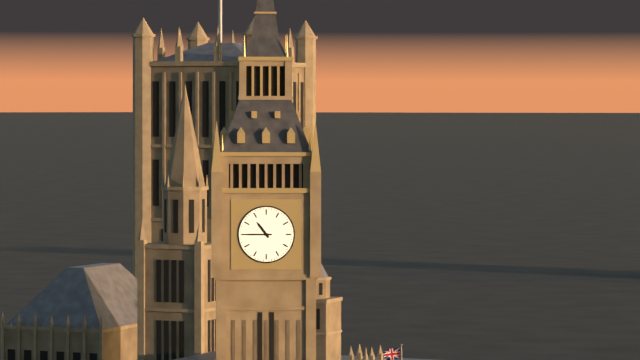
10:45
